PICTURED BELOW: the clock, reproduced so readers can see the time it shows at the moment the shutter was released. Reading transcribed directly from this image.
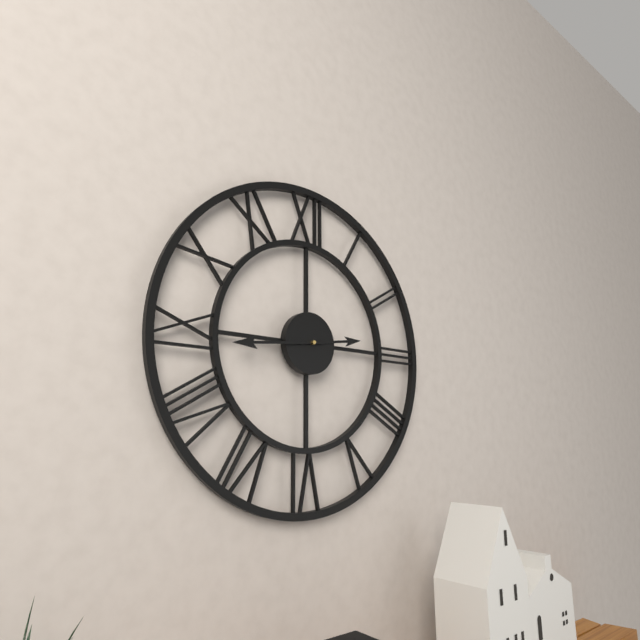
2:44
